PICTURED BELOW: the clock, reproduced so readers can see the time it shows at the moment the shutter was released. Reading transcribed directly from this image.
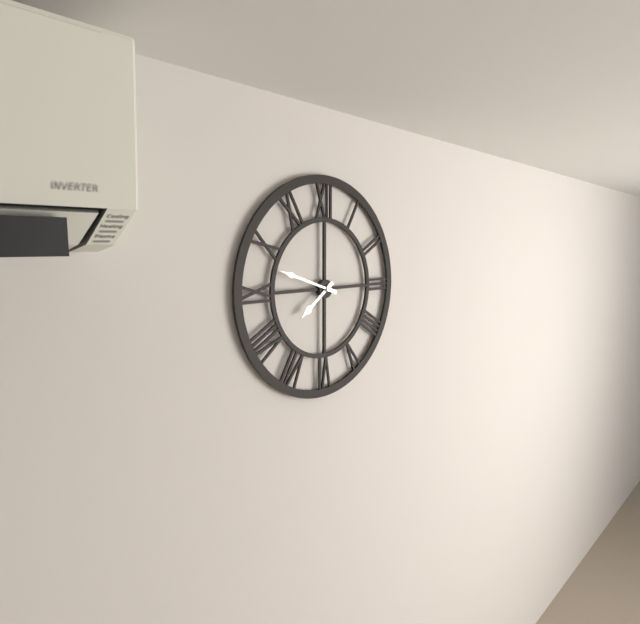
7:48
